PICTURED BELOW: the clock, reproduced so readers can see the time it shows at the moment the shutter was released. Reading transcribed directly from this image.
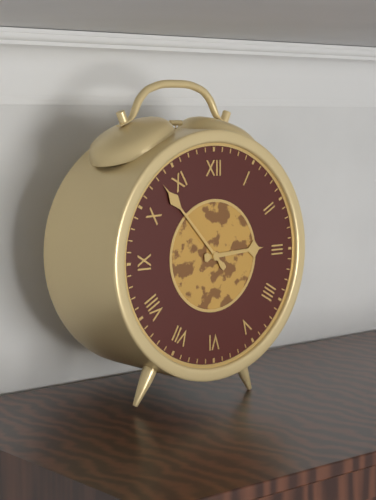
2:53
